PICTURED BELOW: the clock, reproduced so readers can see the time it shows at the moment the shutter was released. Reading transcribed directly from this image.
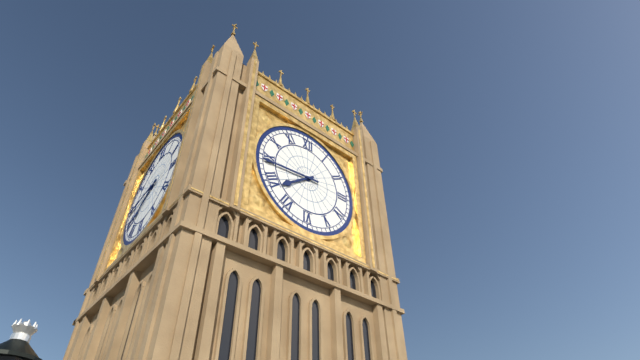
7:44
